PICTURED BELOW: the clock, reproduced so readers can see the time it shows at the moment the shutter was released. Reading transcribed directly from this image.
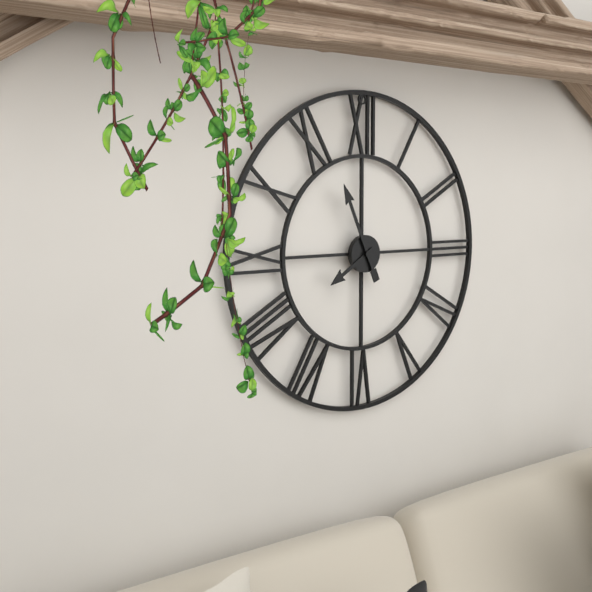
7:56
